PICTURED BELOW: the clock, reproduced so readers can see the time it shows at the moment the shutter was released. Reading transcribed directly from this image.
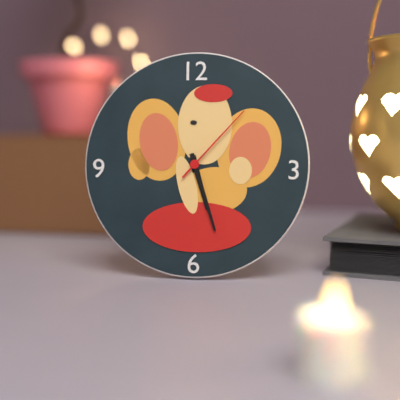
5:27:07
